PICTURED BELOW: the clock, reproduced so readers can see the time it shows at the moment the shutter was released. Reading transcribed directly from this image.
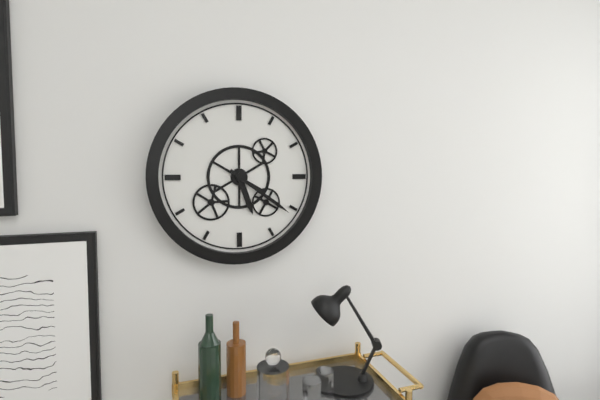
5:21
